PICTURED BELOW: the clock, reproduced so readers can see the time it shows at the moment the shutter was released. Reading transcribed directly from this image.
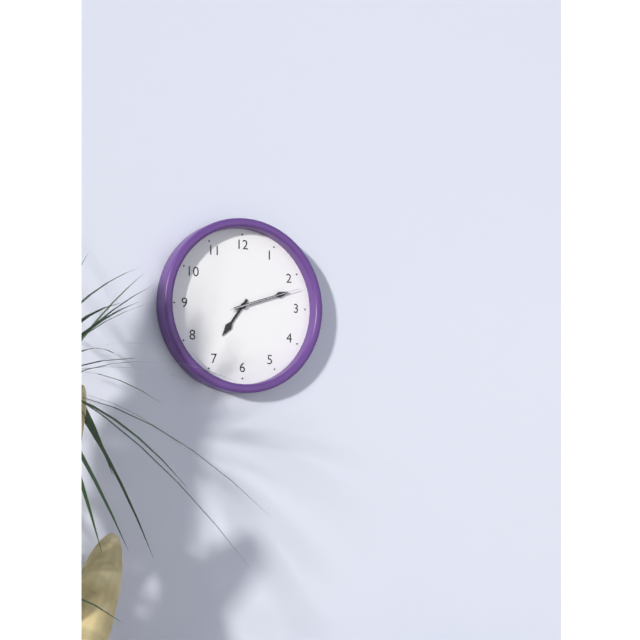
7:12:12
